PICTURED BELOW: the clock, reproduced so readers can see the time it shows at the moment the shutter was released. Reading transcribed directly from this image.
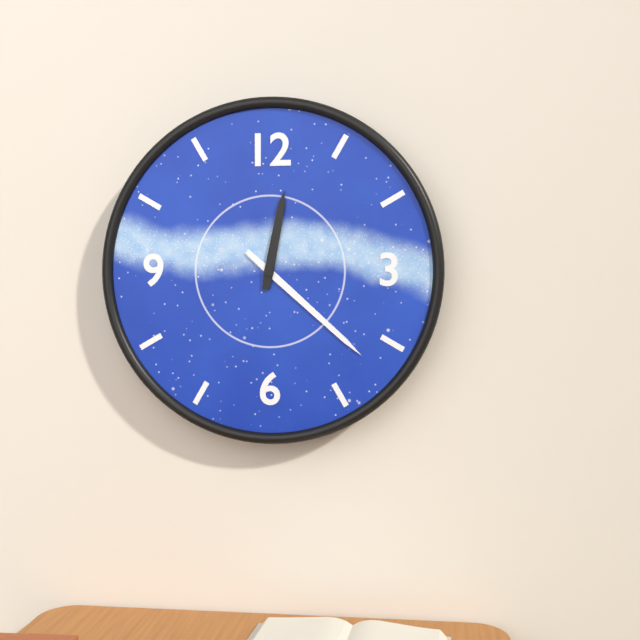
12:22
